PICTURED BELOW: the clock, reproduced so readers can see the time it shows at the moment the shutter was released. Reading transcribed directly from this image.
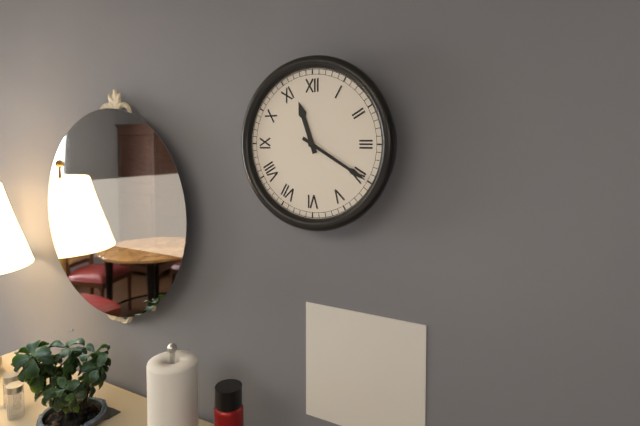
11:20
